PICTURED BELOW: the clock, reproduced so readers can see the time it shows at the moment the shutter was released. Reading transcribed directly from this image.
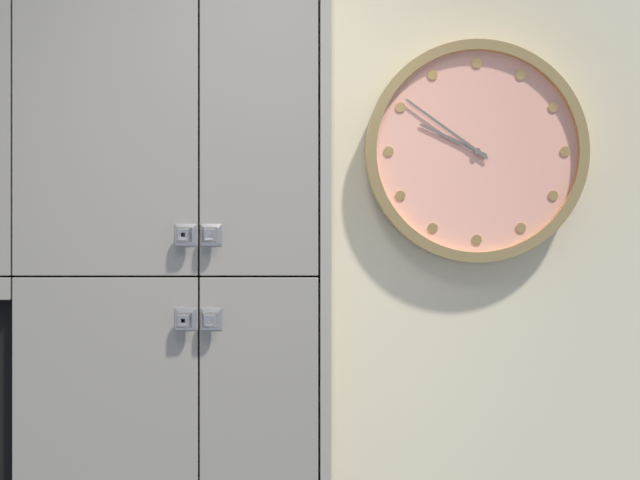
9:51
